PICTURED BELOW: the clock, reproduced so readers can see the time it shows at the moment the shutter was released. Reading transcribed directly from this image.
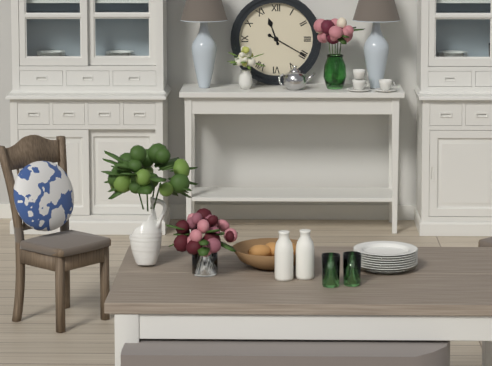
11:20
